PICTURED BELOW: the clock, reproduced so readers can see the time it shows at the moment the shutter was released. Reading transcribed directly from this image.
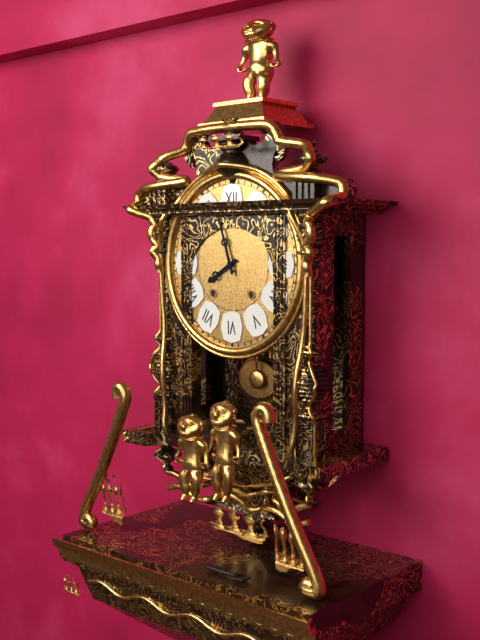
7:57
